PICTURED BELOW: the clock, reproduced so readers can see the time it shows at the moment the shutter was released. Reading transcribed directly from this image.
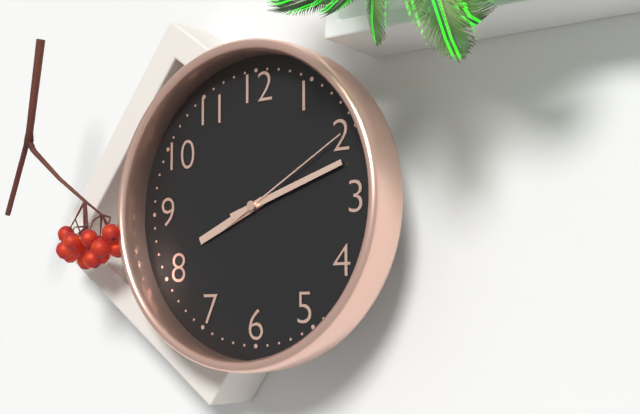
8:12:10
